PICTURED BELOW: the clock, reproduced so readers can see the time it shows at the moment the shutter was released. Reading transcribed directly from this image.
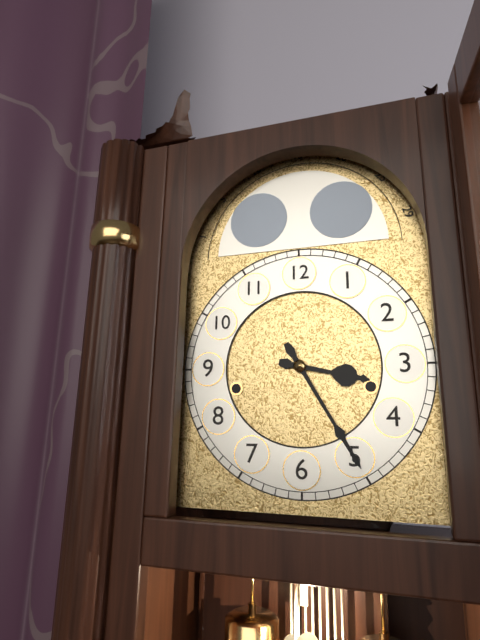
3:25
